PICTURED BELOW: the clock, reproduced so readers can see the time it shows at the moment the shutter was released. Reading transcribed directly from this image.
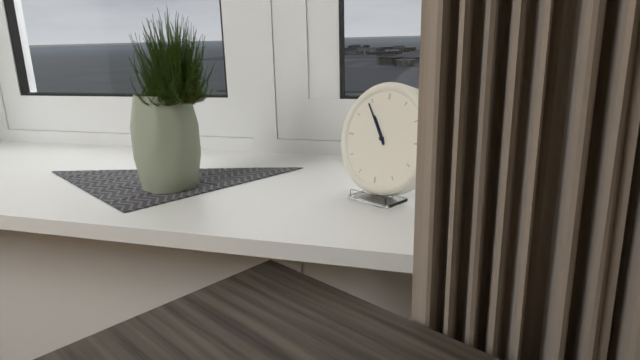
10:54
